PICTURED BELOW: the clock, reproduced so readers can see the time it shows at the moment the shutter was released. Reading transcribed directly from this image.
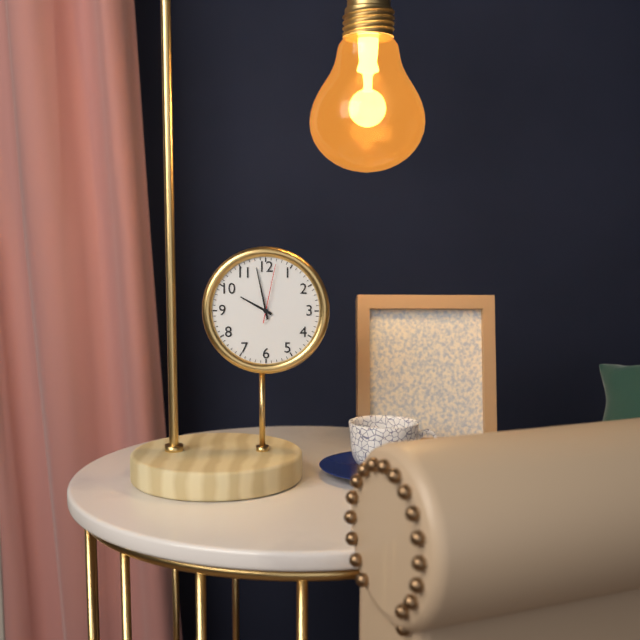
9:58:02
